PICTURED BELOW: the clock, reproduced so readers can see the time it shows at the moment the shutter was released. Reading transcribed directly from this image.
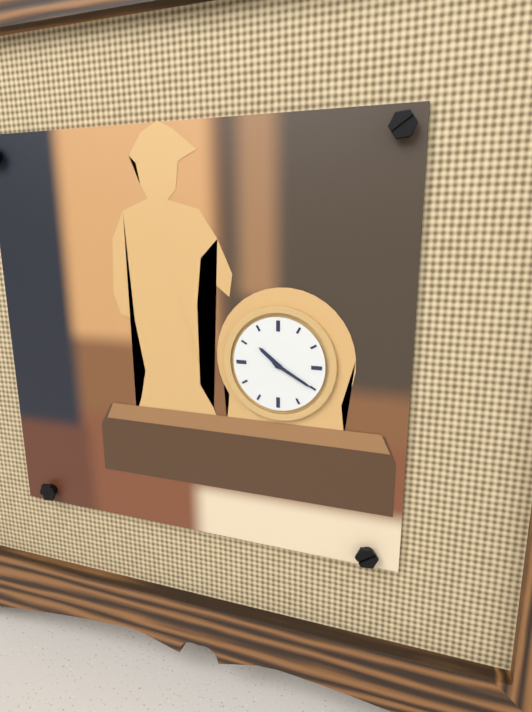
10:20
